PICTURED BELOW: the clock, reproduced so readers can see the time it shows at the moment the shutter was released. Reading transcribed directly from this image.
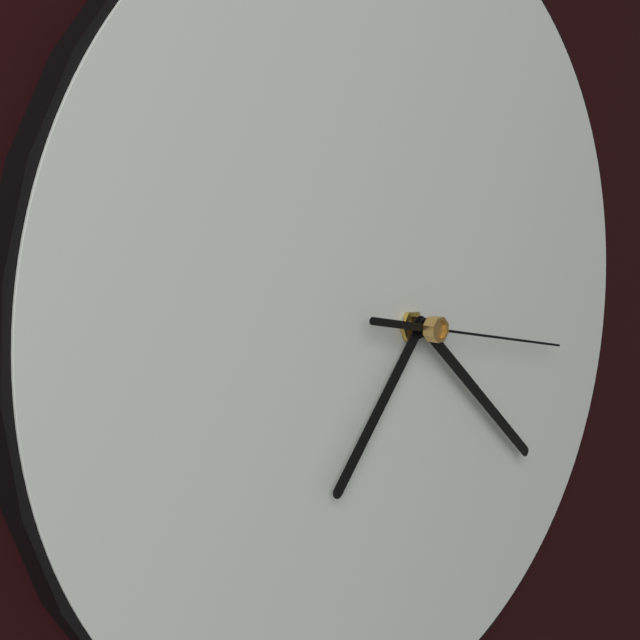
7:22:17
